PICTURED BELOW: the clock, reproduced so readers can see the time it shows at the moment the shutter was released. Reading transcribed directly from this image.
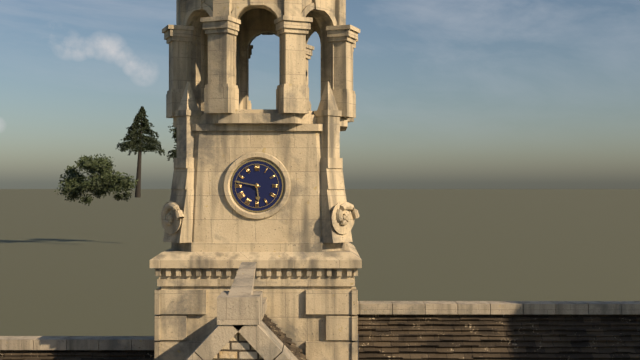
5:47
